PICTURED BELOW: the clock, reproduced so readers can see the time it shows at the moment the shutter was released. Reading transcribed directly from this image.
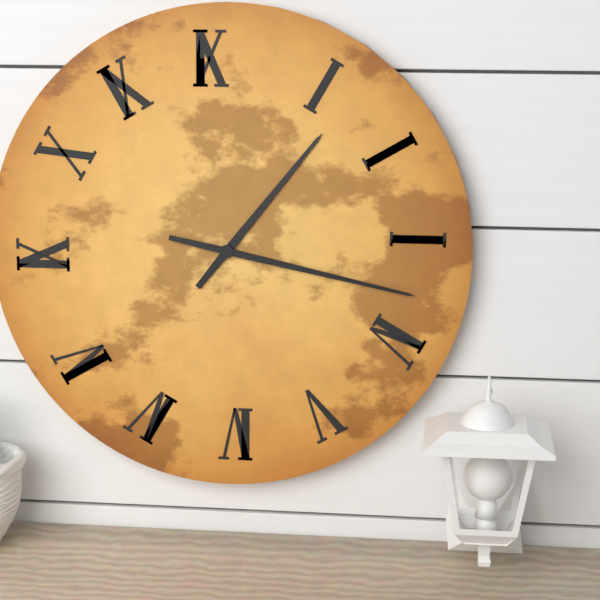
1:17
